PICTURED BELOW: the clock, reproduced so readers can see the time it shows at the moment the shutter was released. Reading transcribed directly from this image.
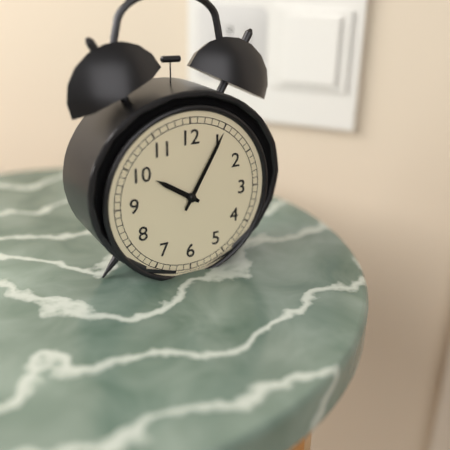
10:05
